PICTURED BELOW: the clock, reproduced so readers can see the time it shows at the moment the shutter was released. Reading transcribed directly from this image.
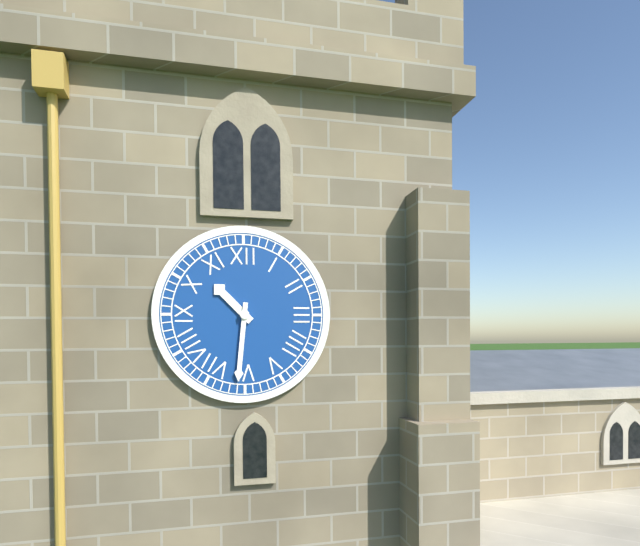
10:31
